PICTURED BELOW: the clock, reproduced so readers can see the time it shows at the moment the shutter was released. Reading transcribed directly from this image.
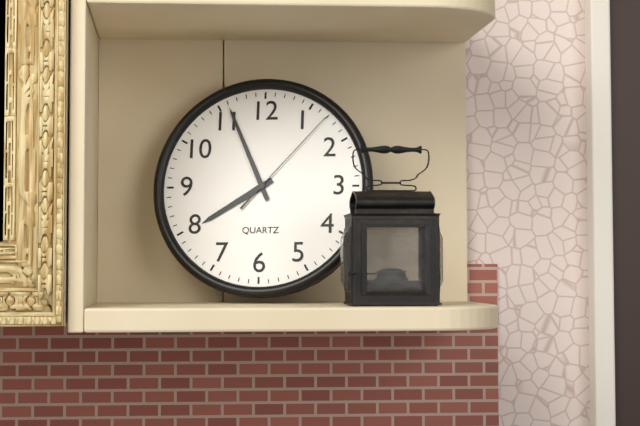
7:56:07
